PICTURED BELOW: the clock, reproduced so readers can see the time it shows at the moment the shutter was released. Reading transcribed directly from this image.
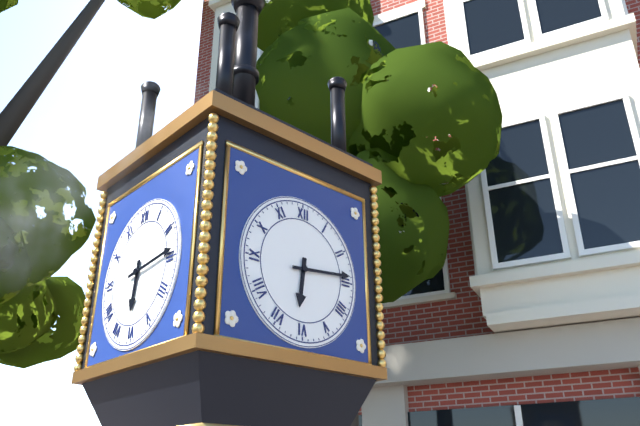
6:14
